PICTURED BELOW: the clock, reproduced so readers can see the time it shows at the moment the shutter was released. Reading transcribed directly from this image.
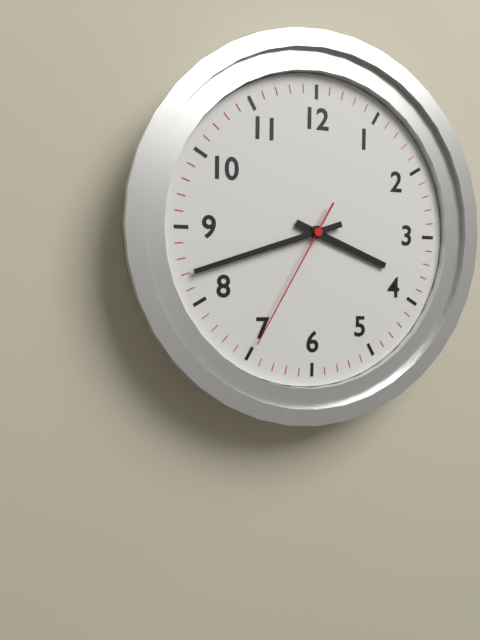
3:42:35
